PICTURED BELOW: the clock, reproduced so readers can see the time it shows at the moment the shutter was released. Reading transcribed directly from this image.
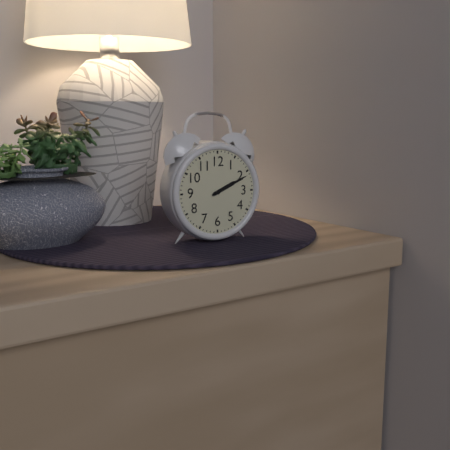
2:11
